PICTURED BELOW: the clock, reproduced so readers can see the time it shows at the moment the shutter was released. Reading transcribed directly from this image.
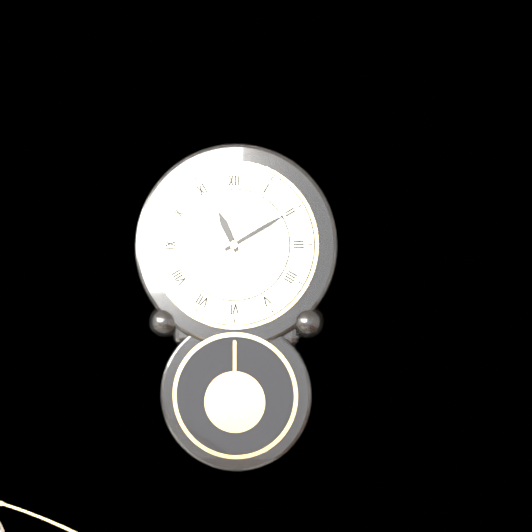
11:10
